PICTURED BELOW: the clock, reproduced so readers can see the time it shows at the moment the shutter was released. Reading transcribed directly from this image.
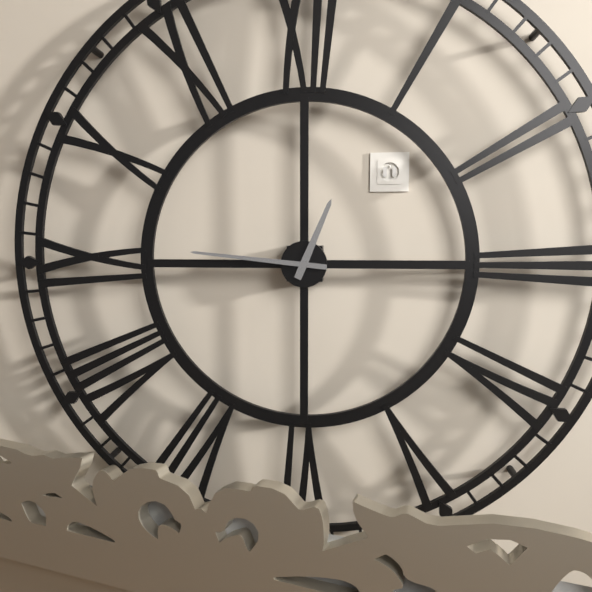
12:46
